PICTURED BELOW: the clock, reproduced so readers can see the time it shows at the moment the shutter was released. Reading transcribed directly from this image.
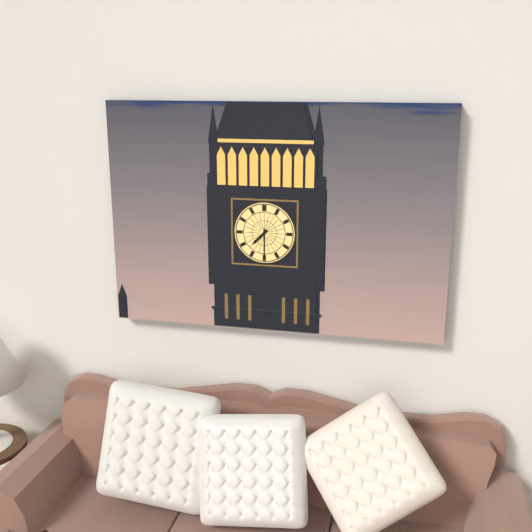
7:30
